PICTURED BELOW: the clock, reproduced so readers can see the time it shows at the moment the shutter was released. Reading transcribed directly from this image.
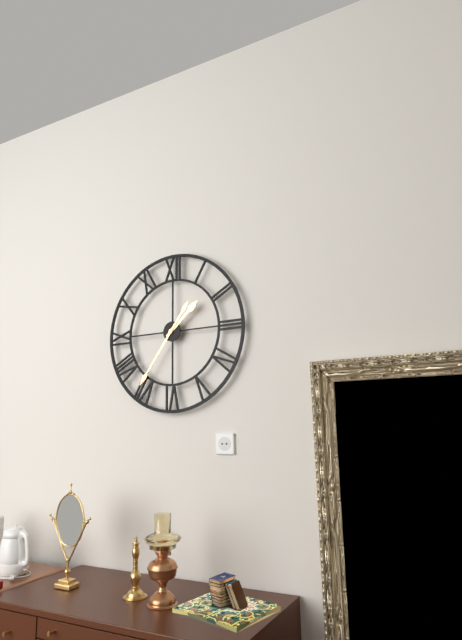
1:36
